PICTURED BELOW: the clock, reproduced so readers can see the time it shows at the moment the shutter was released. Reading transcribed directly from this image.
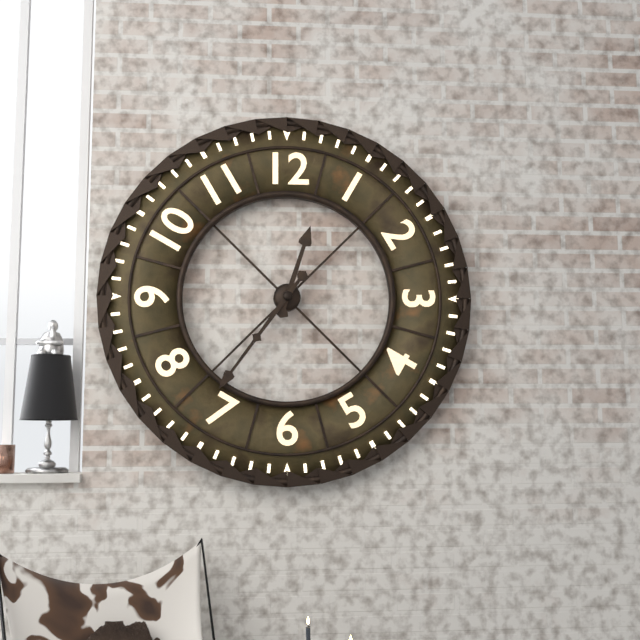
12:36
